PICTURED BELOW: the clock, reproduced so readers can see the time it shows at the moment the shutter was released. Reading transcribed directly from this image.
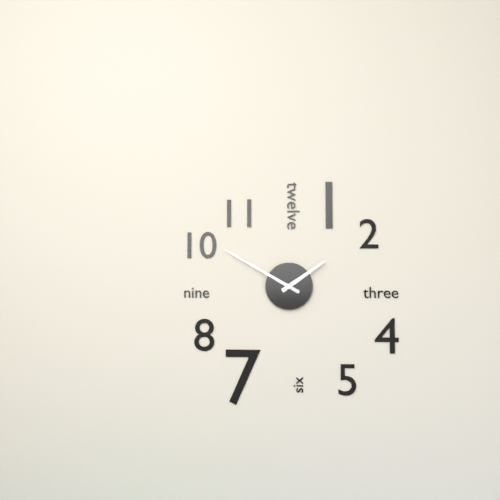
1:50
